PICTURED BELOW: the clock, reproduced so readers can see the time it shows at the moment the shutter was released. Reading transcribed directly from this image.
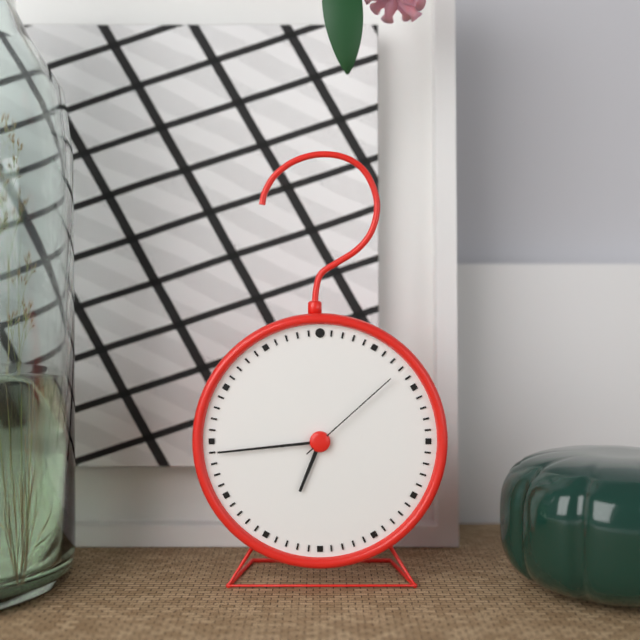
6:44:08
